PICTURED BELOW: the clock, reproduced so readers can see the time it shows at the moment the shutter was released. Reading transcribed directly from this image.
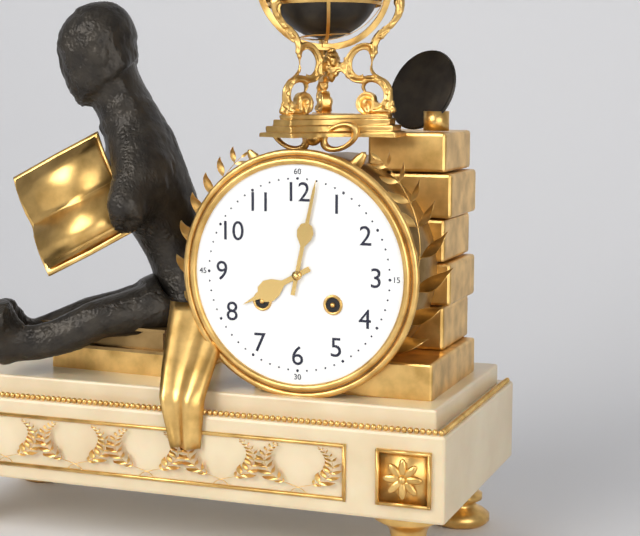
8:02
